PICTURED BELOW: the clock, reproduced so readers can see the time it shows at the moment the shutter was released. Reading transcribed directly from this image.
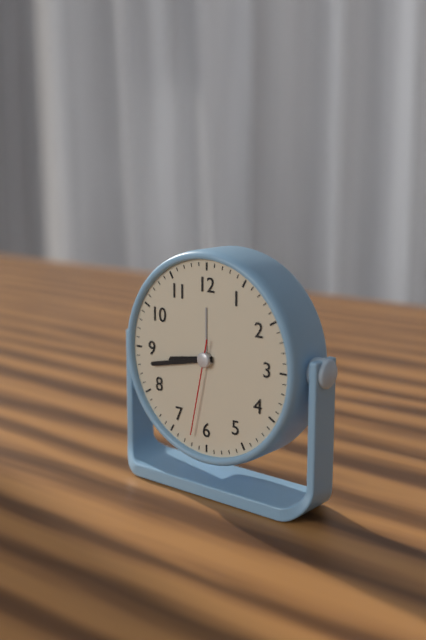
8:43:32
